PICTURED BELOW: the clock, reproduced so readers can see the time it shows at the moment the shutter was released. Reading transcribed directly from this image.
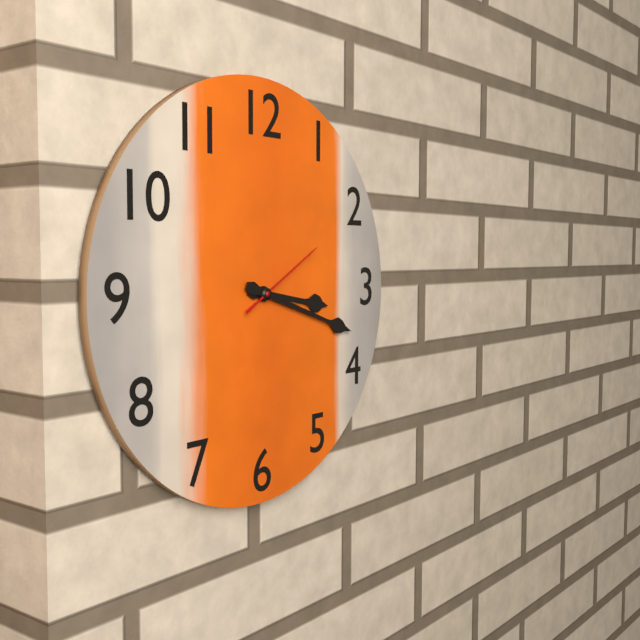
3:18:10
